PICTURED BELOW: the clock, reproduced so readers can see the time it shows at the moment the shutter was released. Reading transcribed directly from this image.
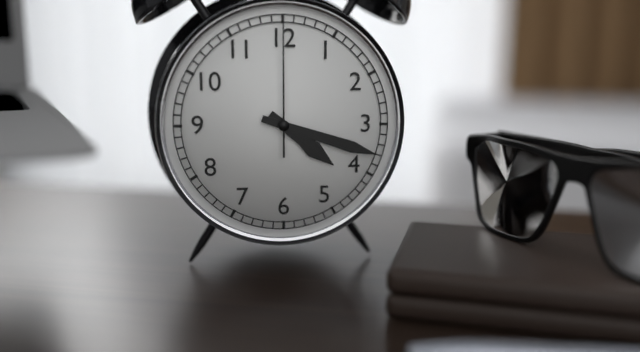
4:18:00
